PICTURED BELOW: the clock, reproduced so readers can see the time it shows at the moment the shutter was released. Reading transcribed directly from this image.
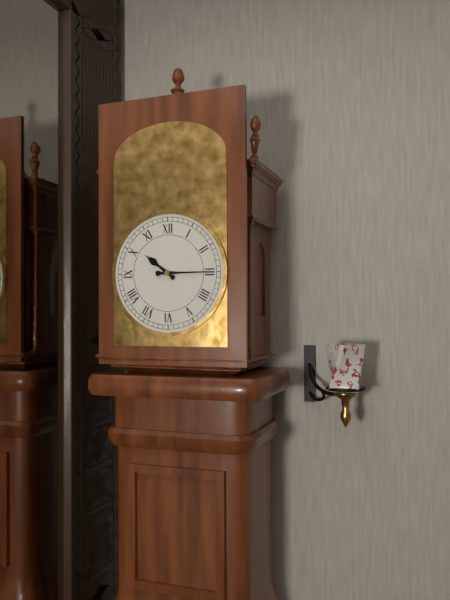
10:15
